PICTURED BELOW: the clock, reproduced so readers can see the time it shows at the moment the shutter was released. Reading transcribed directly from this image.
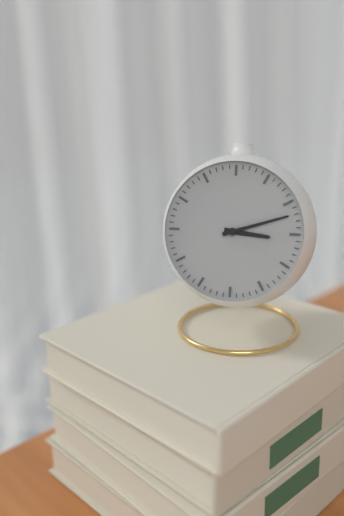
3:12
